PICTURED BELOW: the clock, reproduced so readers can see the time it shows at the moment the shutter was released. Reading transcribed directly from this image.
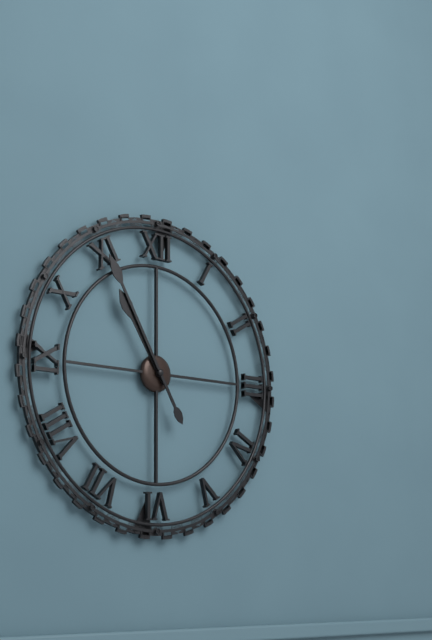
10:55
